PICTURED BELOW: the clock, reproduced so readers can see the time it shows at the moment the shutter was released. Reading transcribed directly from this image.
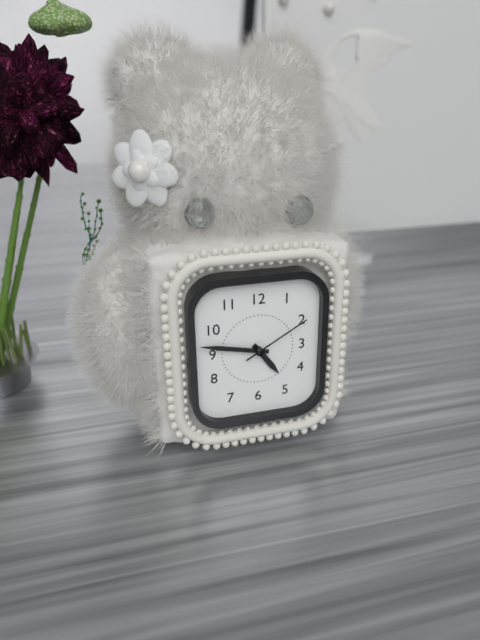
4:47:10
